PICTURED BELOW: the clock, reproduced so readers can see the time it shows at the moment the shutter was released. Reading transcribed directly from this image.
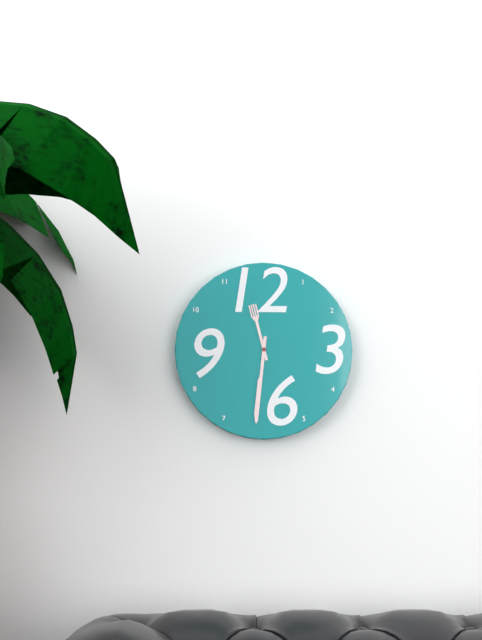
11:31
